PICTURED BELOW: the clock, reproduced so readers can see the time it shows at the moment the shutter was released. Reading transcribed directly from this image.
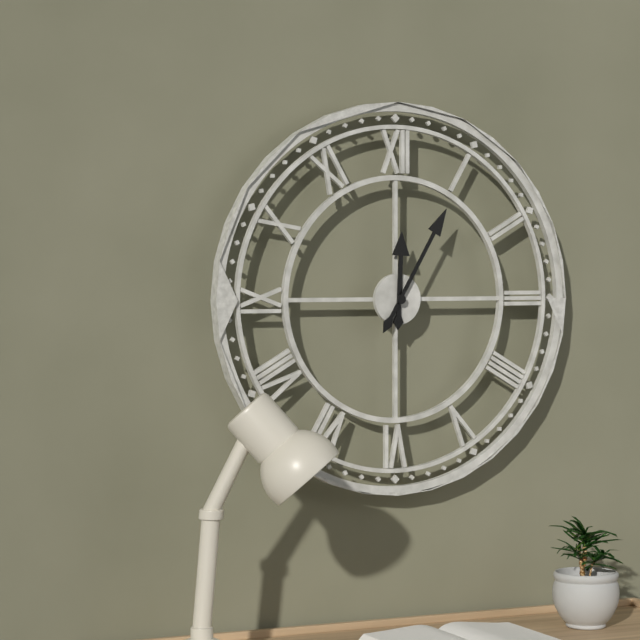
12:05
